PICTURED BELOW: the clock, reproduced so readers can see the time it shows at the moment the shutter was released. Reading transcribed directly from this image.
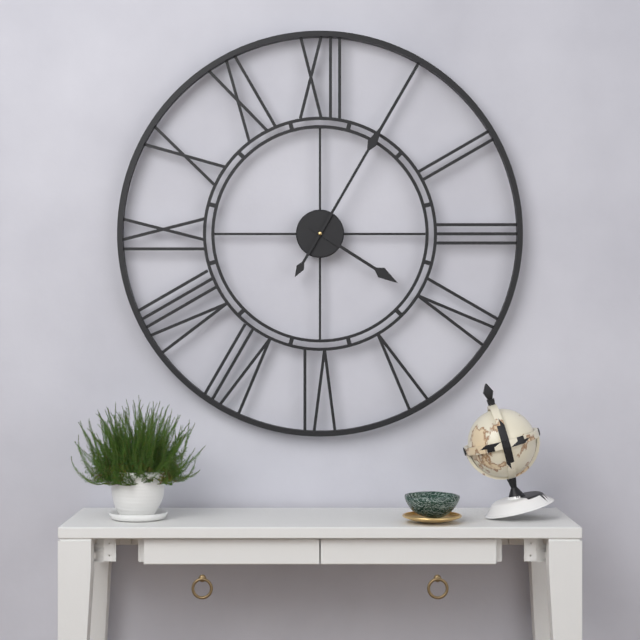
4:05
